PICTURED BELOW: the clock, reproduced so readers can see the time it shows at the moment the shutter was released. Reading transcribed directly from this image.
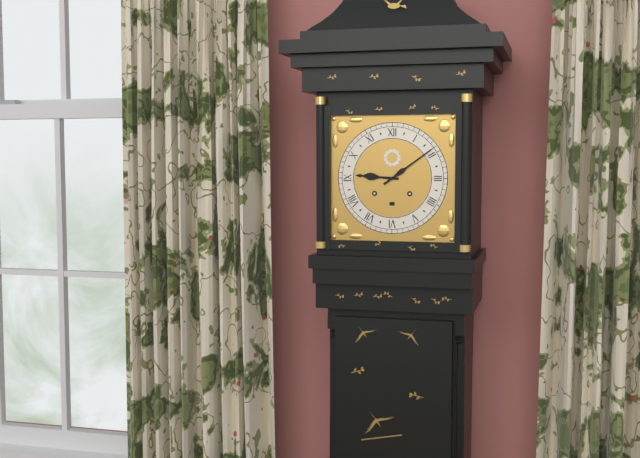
9:09
